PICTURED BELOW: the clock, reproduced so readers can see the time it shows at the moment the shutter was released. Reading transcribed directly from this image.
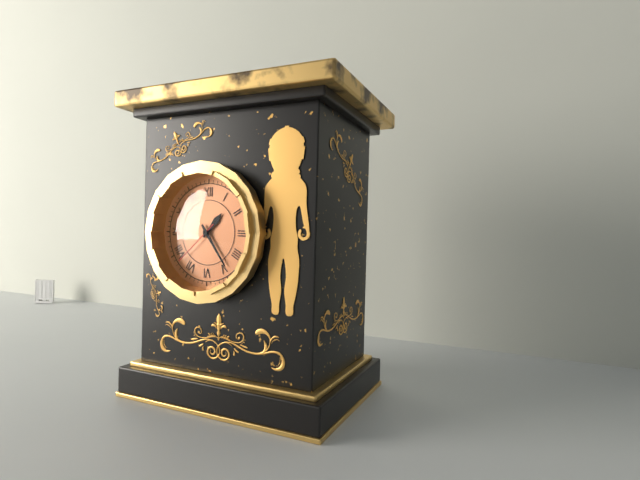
1:24
